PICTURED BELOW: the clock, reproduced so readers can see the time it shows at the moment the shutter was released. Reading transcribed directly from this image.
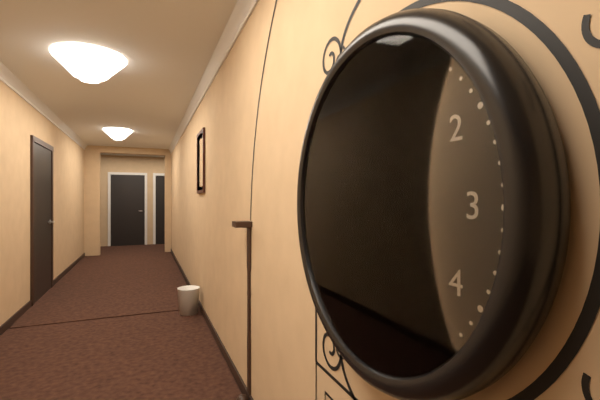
4:47
